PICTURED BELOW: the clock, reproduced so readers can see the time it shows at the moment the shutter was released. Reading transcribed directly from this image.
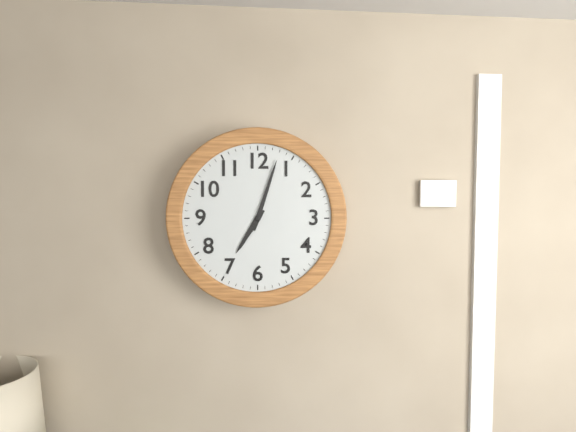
7:03
